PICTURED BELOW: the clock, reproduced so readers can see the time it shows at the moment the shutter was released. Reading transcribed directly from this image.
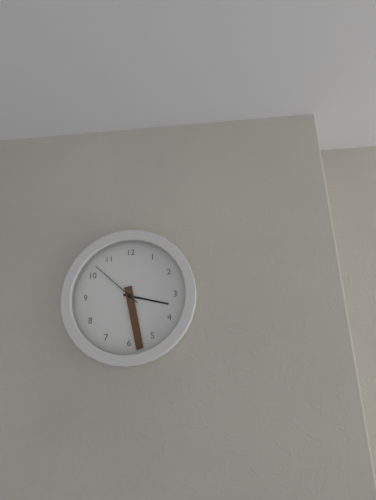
3:28:52
